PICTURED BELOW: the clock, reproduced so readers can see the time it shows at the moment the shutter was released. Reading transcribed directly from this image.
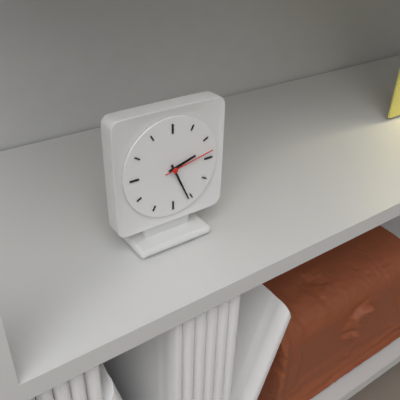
2:26:13
